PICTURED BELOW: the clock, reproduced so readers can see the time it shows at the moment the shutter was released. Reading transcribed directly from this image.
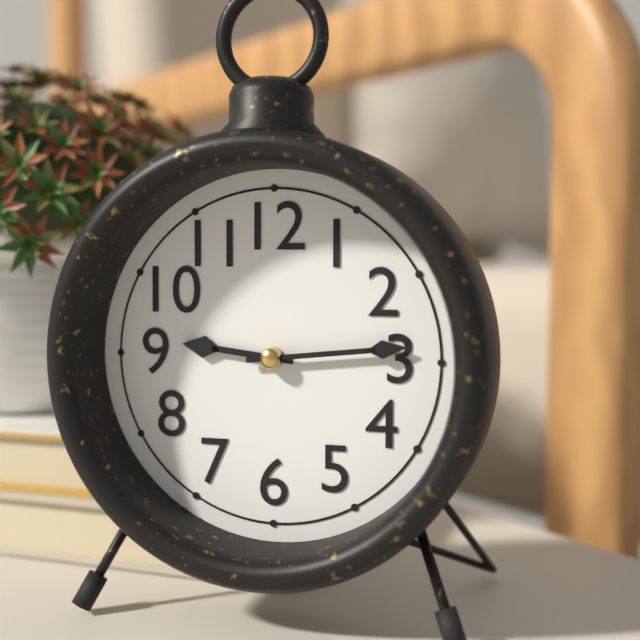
9:14
